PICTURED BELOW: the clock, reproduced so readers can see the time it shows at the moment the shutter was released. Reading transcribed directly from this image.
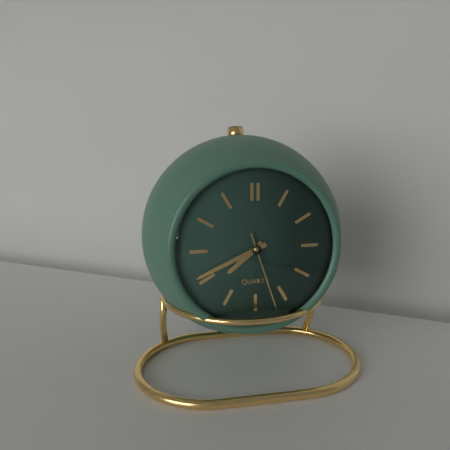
7:41:27
